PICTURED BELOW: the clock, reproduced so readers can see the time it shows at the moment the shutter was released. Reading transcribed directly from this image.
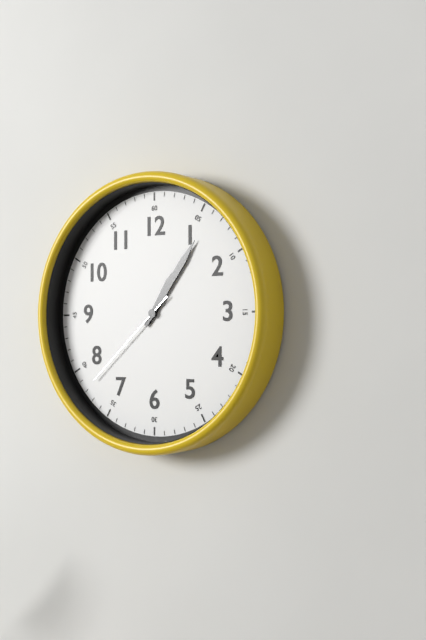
1:06:38
